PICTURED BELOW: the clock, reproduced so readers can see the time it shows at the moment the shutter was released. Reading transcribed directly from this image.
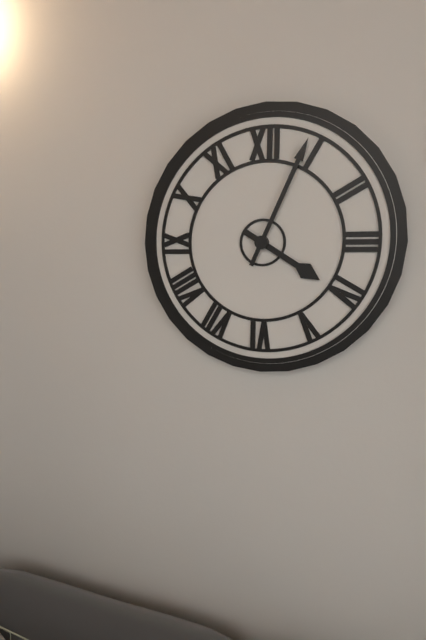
4:04
